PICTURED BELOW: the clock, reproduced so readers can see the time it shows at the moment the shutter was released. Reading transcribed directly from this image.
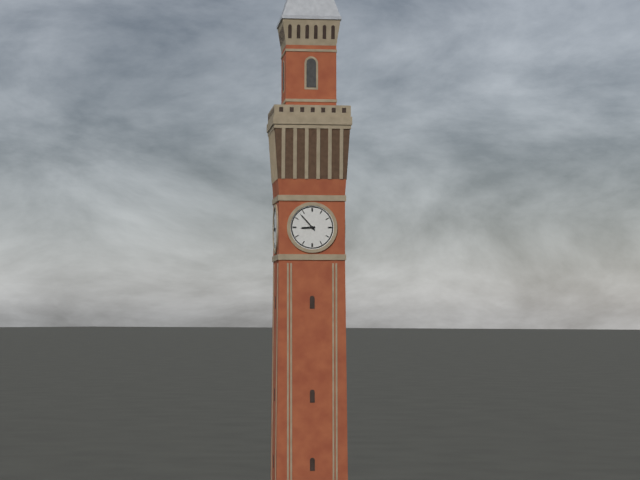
8:53
